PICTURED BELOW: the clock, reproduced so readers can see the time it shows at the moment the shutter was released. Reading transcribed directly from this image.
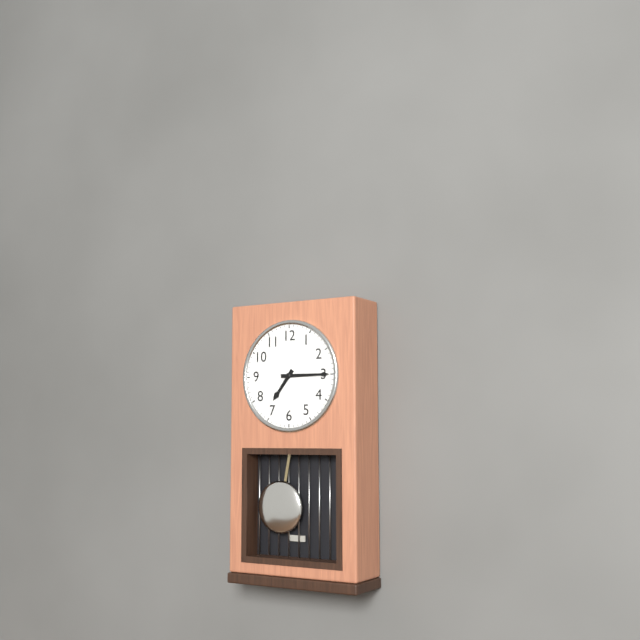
7:15
